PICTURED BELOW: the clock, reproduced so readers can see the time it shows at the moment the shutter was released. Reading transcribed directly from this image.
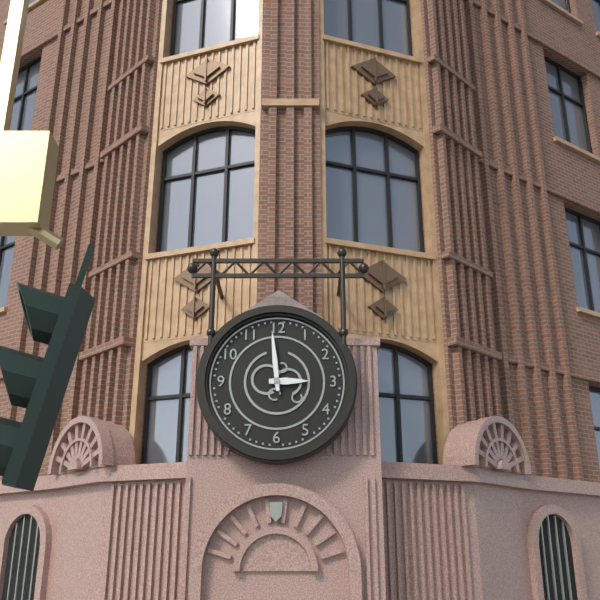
2:59
